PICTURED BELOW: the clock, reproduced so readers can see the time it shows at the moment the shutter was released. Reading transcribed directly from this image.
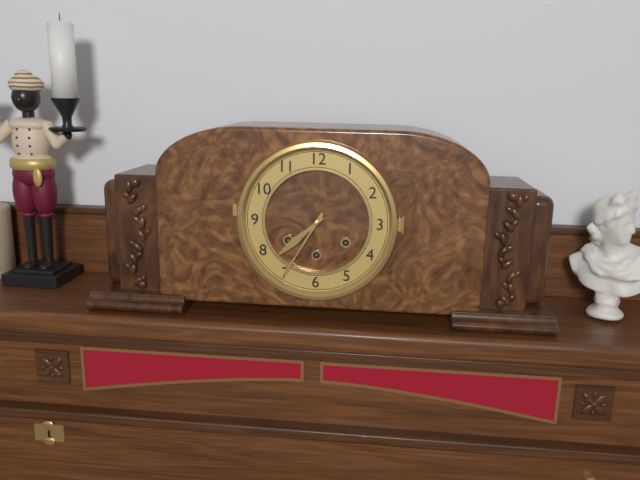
7:35
